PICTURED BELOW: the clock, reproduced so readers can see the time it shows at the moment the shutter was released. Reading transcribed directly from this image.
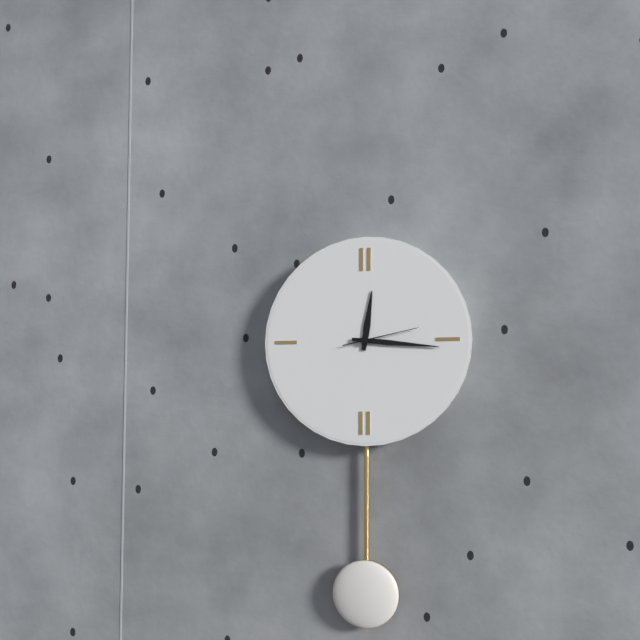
12:16:13
